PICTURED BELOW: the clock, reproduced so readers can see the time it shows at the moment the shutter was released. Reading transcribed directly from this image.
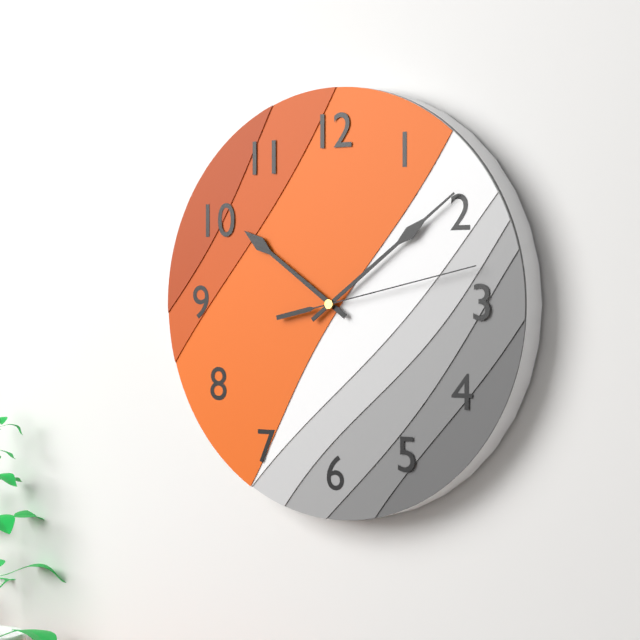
10:09:13
